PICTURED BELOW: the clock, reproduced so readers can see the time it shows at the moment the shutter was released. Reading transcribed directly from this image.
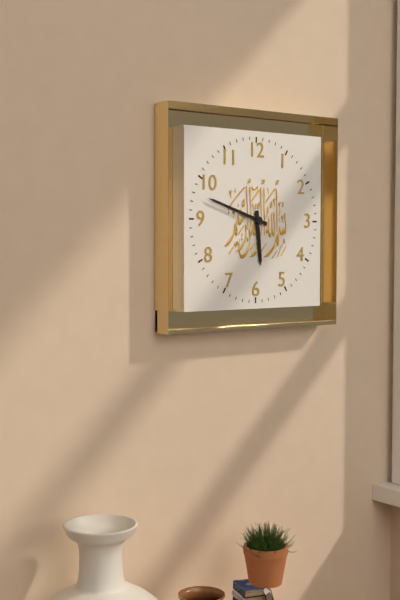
5:48
